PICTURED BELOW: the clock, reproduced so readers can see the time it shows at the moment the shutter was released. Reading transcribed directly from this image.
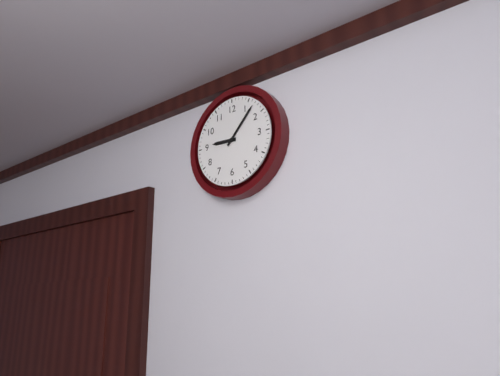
9:07
